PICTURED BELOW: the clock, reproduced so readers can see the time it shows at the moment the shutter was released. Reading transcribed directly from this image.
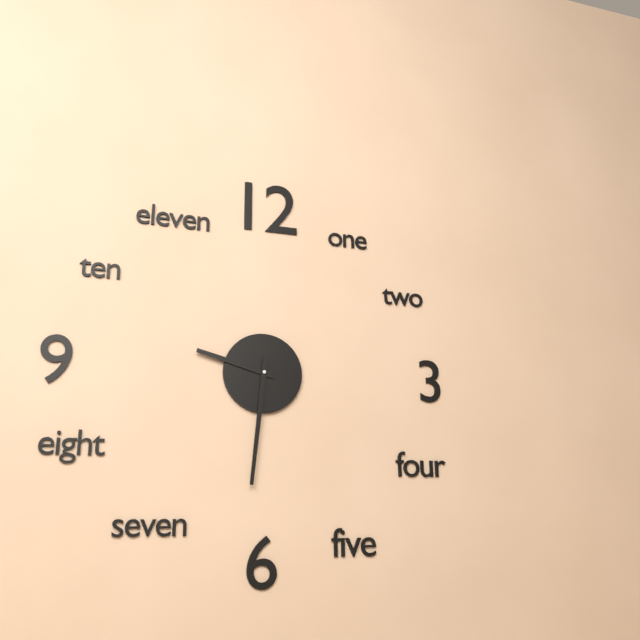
9:31
